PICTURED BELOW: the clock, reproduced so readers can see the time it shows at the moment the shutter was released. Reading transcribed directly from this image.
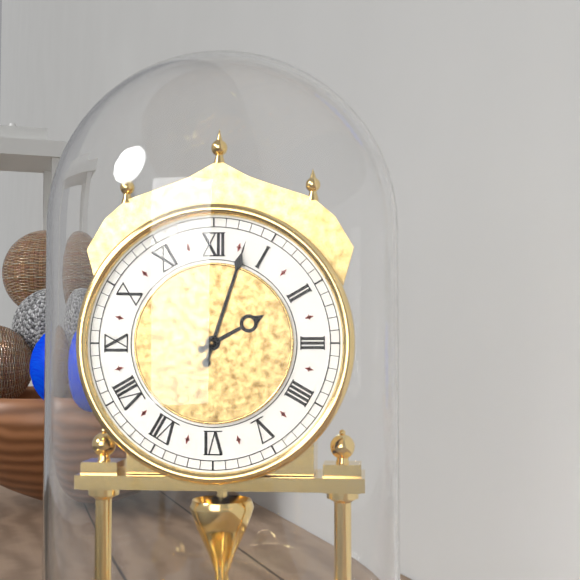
2:03
